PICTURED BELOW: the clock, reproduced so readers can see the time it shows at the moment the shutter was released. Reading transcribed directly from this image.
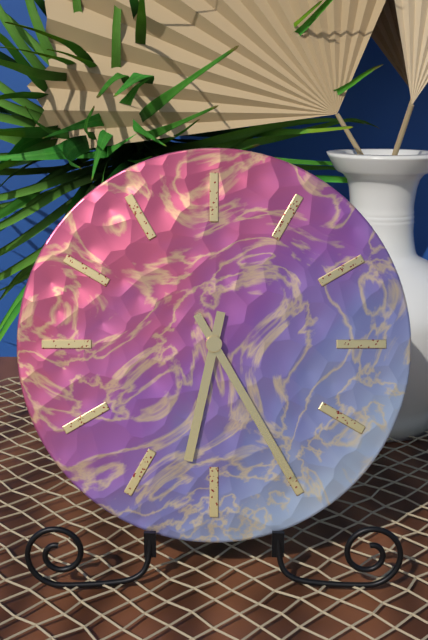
6:25
